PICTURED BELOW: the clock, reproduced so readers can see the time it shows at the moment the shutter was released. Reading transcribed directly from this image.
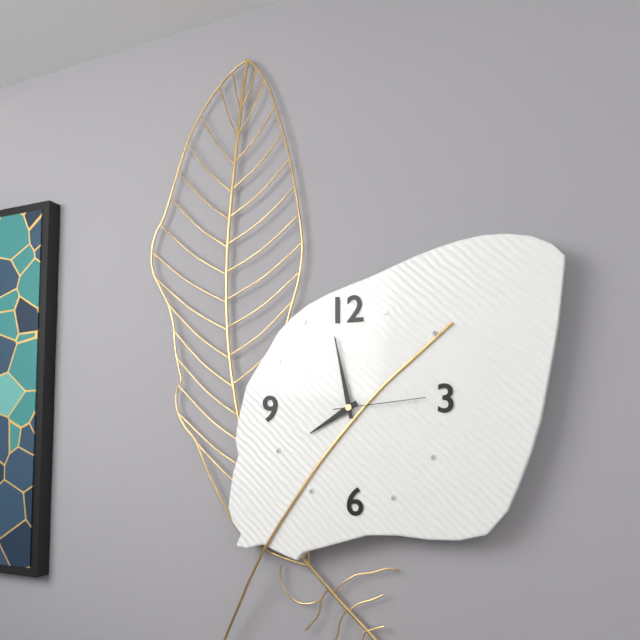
7:58:14
